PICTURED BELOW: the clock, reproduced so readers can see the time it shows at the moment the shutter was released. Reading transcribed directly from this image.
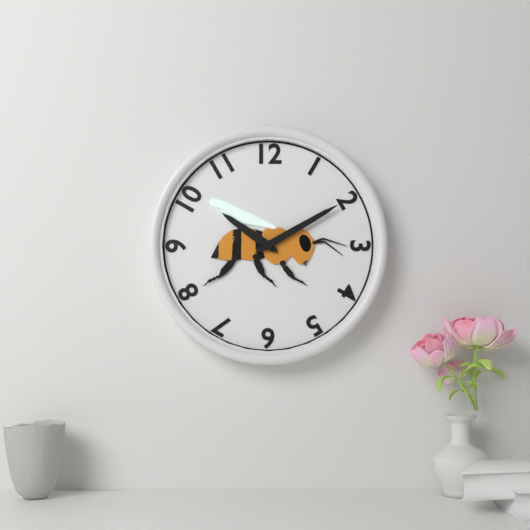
10:10
